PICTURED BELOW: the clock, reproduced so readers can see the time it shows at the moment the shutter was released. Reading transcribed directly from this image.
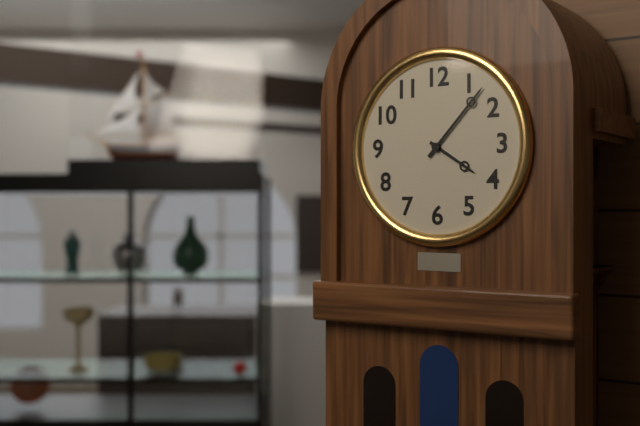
4:07
